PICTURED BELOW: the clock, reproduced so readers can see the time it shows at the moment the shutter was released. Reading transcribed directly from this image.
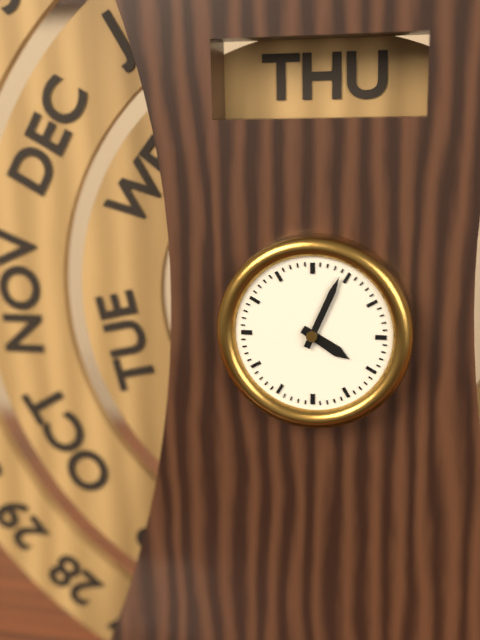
4:04
